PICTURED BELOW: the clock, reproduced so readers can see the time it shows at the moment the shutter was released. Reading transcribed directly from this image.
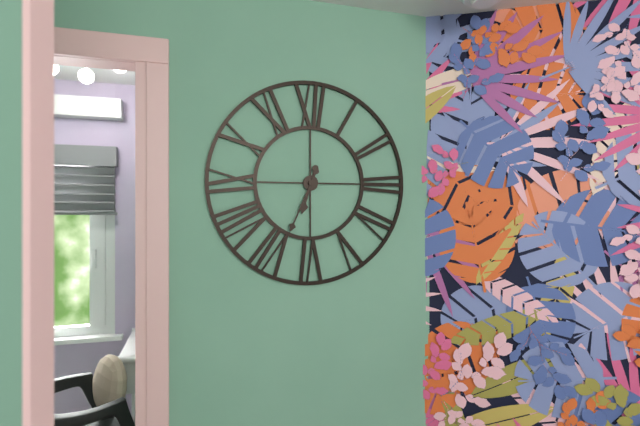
6:34
